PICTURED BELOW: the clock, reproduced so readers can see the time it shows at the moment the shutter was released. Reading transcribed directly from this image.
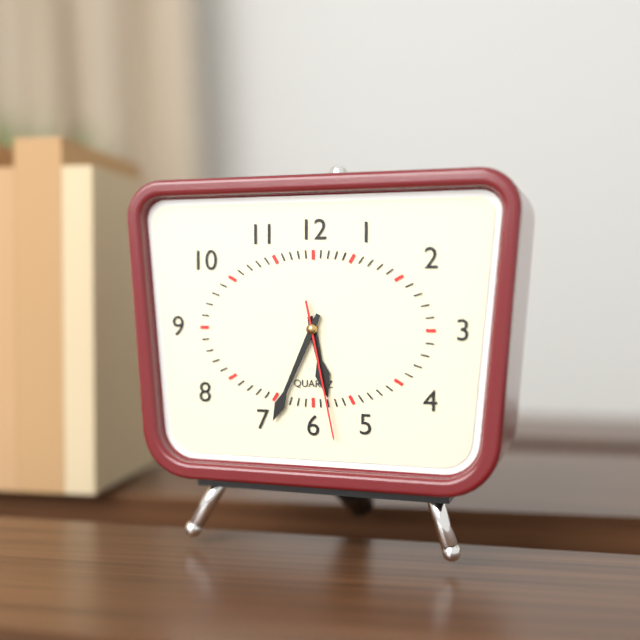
5:34:28
